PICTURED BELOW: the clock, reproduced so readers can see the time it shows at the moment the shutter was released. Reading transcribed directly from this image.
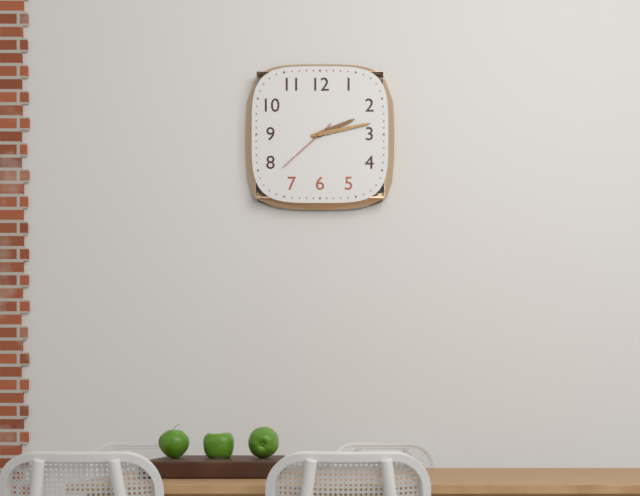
2:13:38
